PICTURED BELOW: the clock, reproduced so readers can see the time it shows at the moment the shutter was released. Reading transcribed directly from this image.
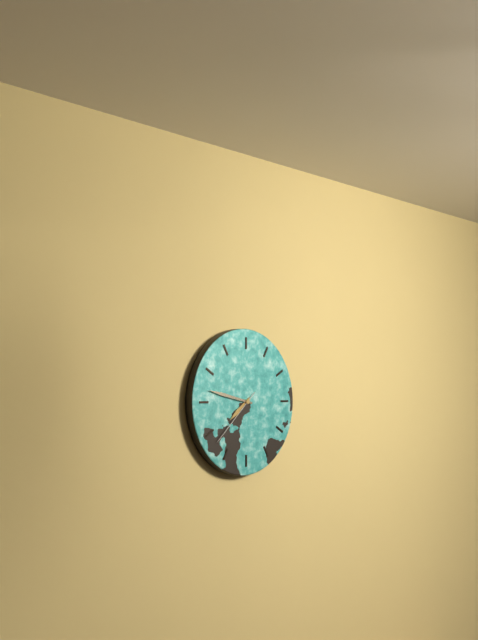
7:47:38
